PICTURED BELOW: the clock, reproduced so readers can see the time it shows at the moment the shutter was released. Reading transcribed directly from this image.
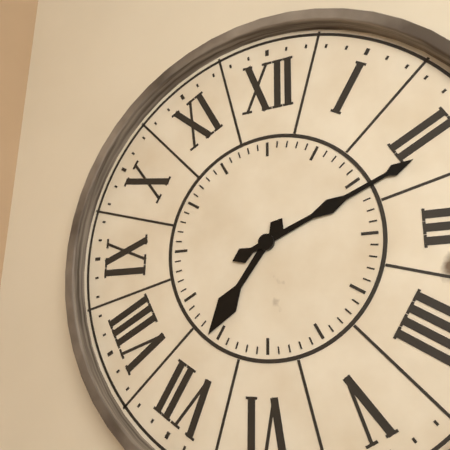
7:11
